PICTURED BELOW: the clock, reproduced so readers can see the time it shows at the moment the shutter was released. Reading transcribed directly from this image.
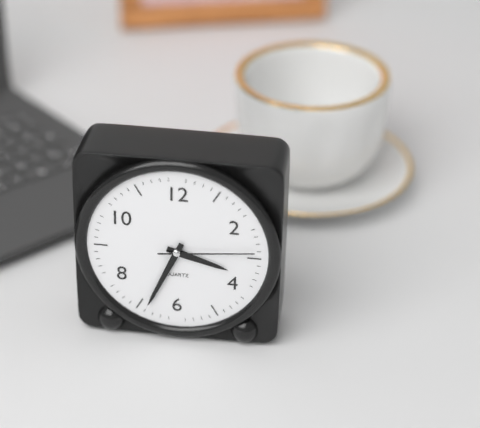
3:34:14
